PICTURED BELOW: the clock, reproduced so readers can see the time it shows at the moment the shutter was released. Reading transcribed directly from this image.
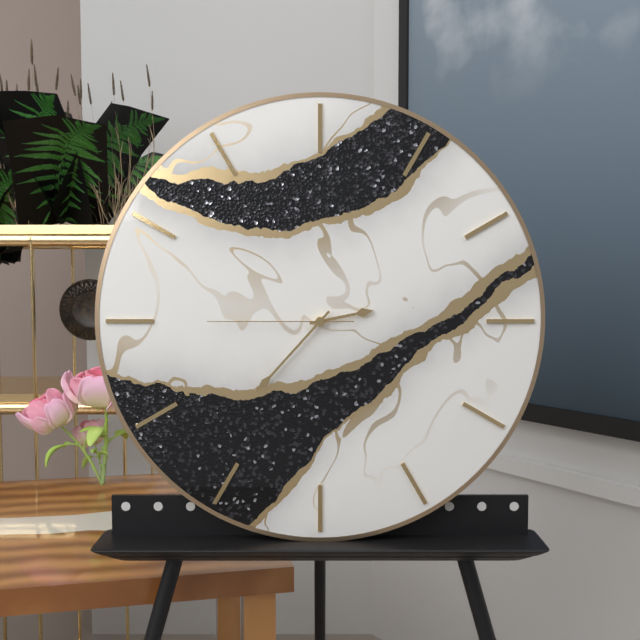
2:37:45
